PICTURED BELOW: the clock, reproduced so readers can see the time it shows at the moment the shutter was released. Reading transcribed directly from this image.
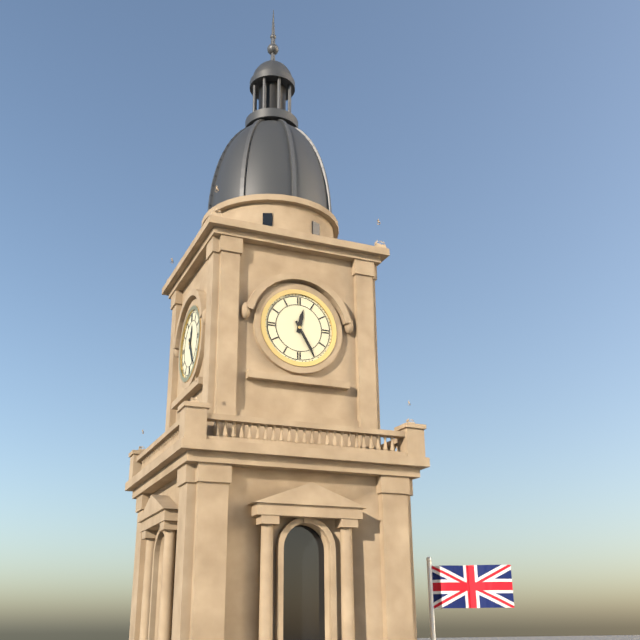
12:25
